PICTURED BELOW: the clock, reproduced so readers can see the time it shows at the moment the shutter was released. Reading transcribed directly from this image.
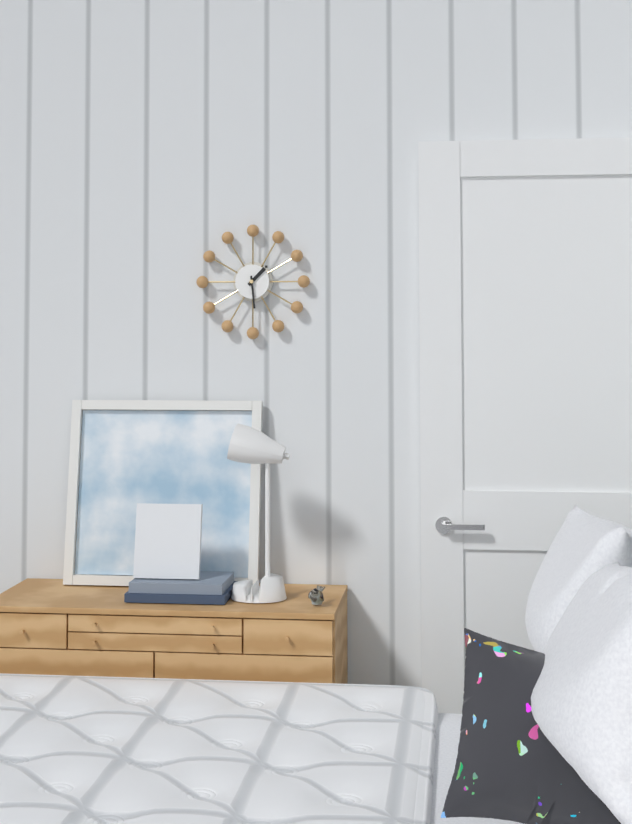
1:29
